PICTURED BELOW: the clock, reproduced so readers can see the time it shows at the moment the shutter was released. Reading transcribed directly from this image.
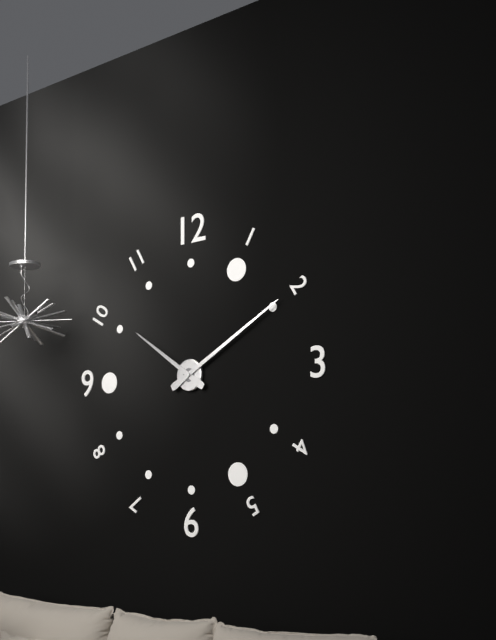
10:10
